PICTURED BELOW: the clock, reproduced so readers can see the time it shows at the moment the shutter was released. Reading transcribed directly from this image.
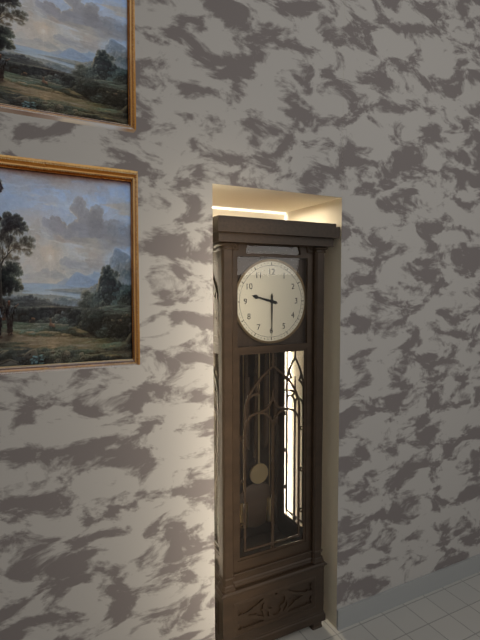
9:30
